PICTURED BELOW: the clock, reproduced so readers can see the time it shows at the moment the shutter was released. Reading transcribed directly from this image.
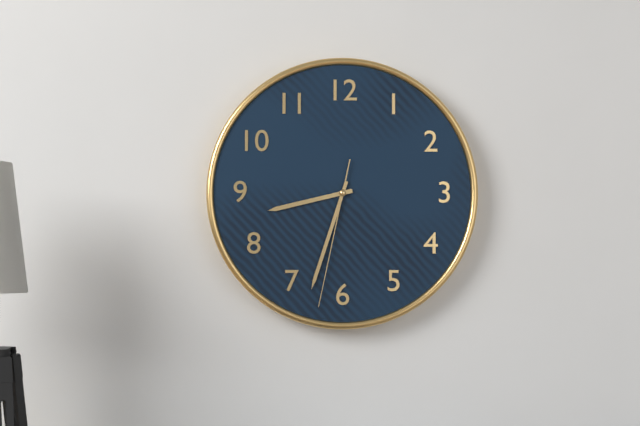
8:33:32
